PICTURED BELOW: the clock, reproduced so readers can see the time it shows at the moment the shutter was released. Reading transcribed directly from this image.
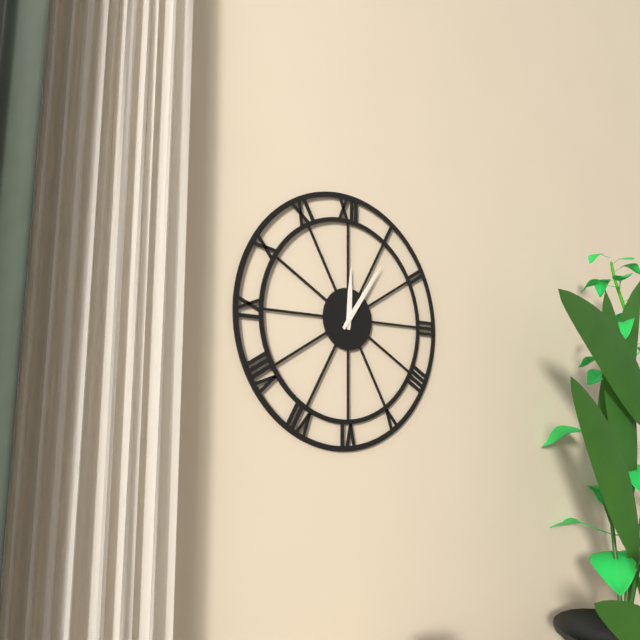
12:06
